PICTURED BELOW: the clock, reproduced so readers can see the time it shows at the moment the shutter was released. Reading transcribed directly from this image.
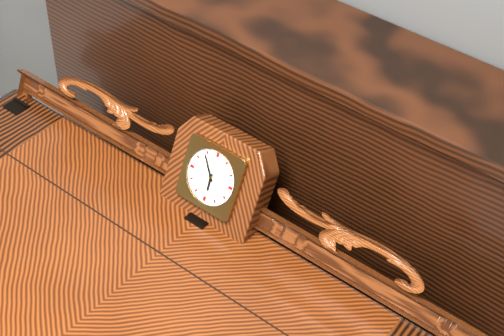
5:54
